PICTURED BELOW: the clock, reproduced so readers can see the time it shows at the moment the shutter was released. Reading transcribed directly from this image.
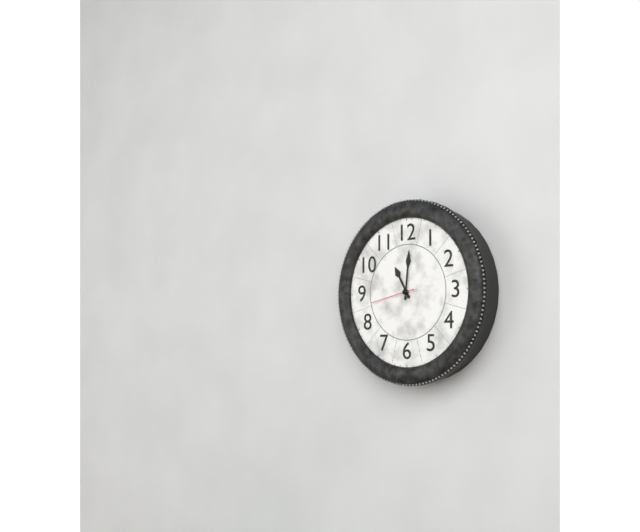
11:01
